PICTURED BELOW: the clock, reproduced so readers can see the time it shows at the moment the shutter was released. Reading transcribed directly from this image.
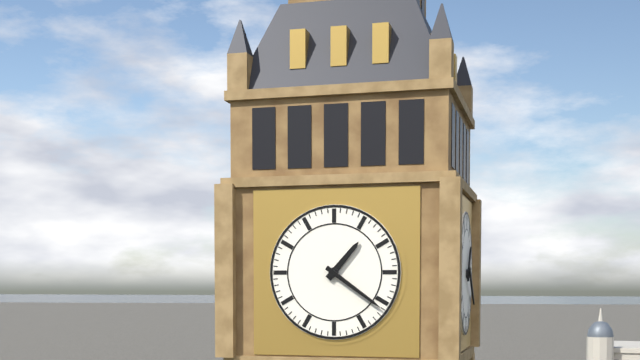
1:21
